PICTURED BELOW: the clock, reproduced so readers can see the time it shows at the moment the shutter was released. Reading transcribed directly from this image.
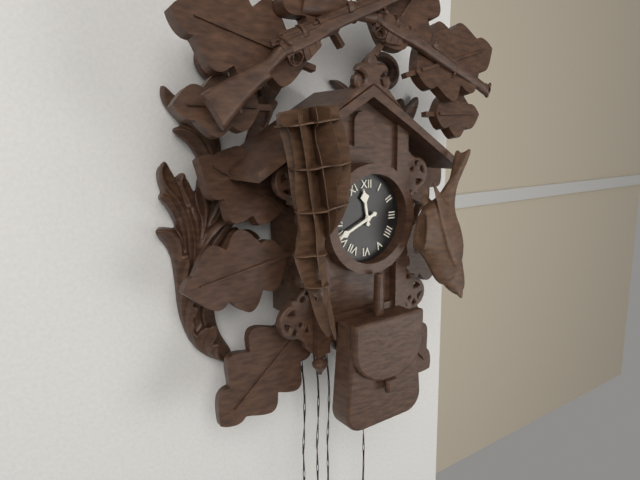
11:41
